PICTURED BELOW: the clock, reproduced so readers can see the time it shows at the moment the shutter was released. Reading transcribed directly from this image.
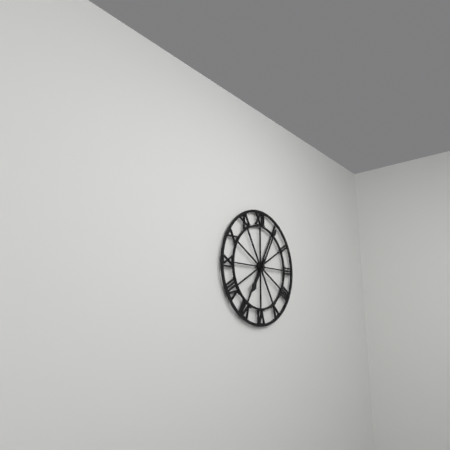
7:05
